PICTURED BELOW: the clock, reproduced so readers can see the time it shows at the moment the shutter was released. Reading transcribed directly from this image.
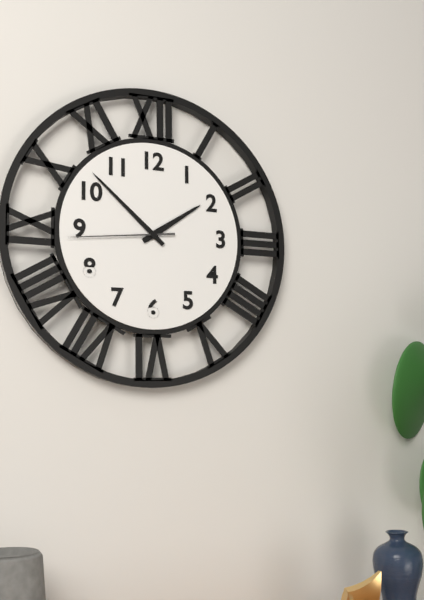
1:52:44
